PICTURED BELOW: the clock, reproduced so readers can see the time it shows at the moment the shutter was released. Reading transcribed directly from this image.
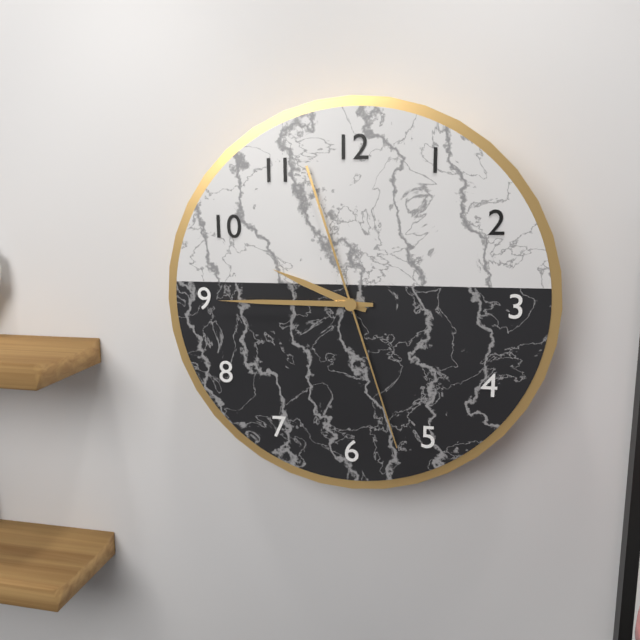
9:45:27
